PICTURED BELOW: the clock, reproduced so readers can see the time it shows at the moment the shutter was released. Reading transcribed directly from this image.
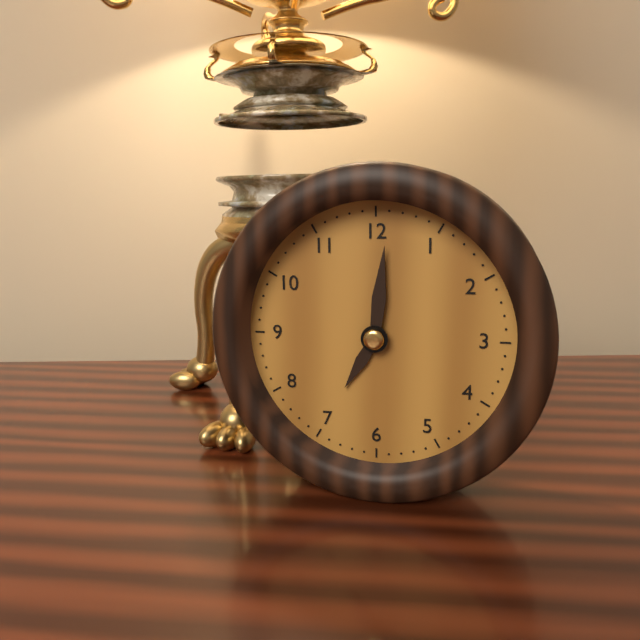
7:01
